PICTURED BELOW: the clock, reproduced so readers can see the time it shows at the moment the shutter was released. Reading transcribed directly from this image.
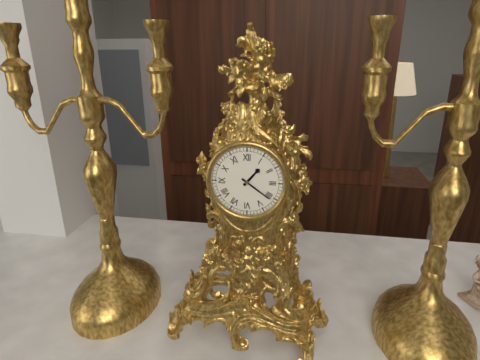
1:21
